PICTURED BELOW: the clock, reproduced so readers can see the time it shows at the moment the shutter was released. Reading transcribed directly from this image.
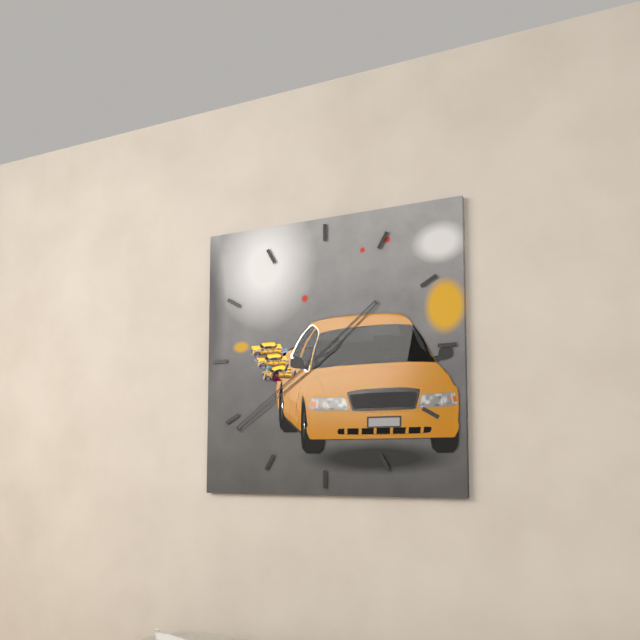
1:39
